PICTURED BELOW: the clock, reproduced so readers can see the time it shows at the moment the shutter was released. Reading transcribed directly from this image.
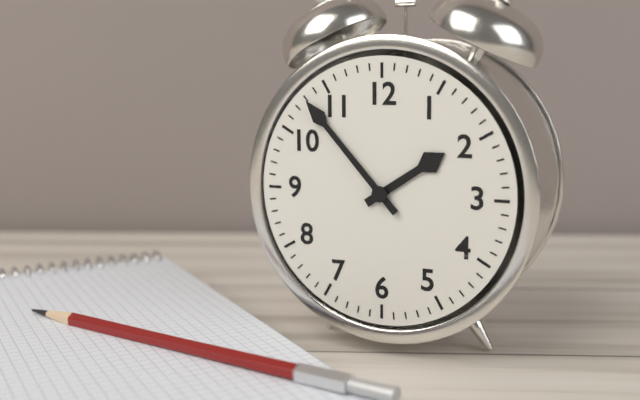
1:53
